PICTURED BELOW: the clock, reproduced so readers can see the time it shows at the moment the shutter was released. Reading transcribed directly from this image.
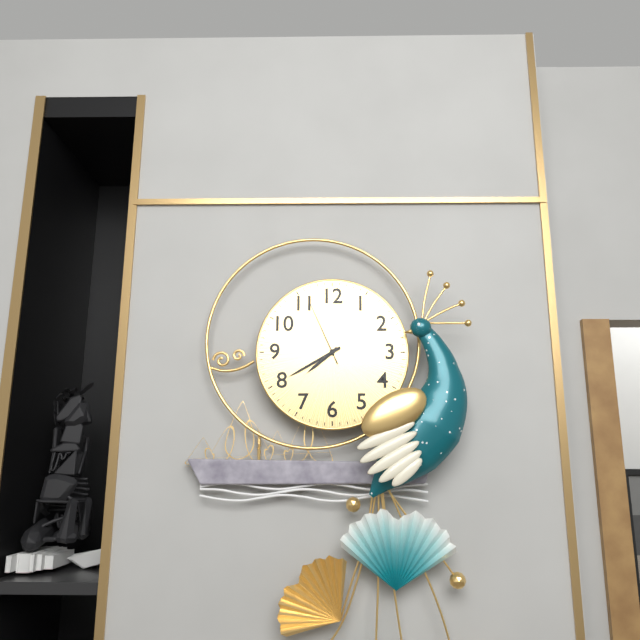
7:40:56
